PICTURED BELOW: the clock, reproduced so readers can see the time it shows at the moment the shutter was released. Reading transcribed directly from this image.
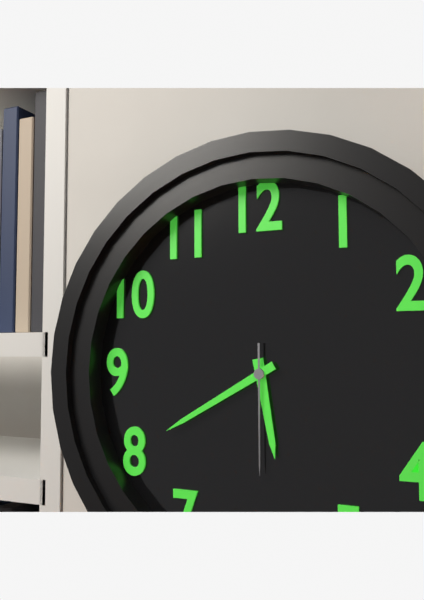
5:40:30
